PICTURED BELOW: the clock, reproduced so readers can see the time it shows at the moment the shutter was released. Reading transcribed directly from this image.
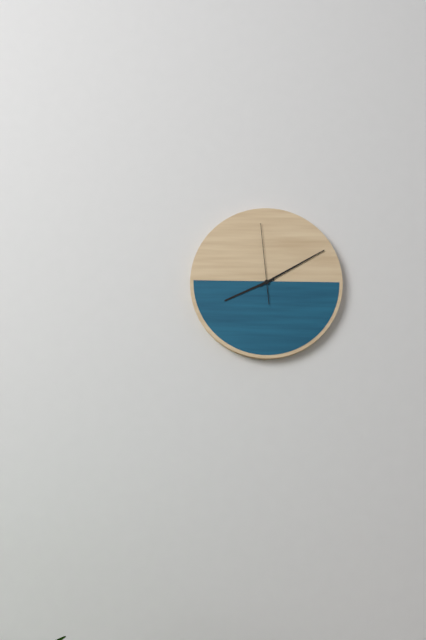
8:10:59
